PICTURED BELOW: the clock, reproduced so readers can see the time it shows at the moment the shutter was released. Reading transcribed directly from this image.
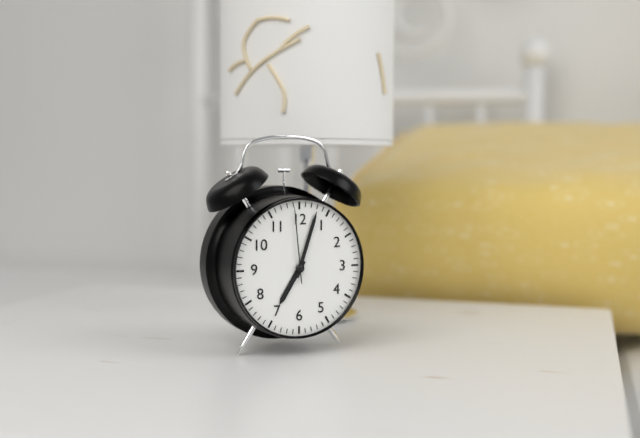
7:03:59
